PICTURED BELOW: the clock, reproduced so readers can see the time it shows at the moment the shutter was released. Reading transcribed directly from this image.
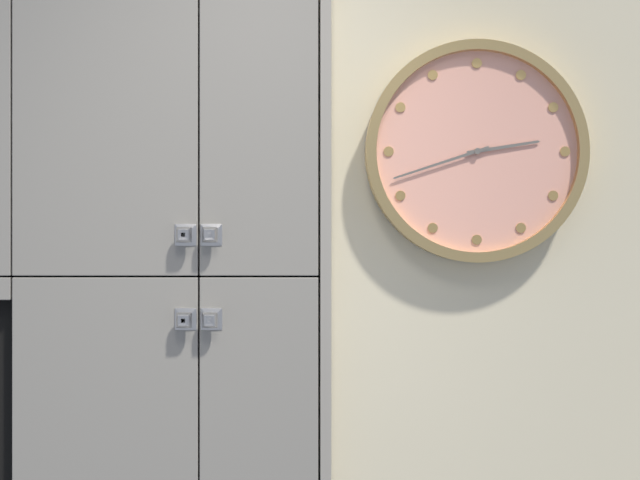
2:42
